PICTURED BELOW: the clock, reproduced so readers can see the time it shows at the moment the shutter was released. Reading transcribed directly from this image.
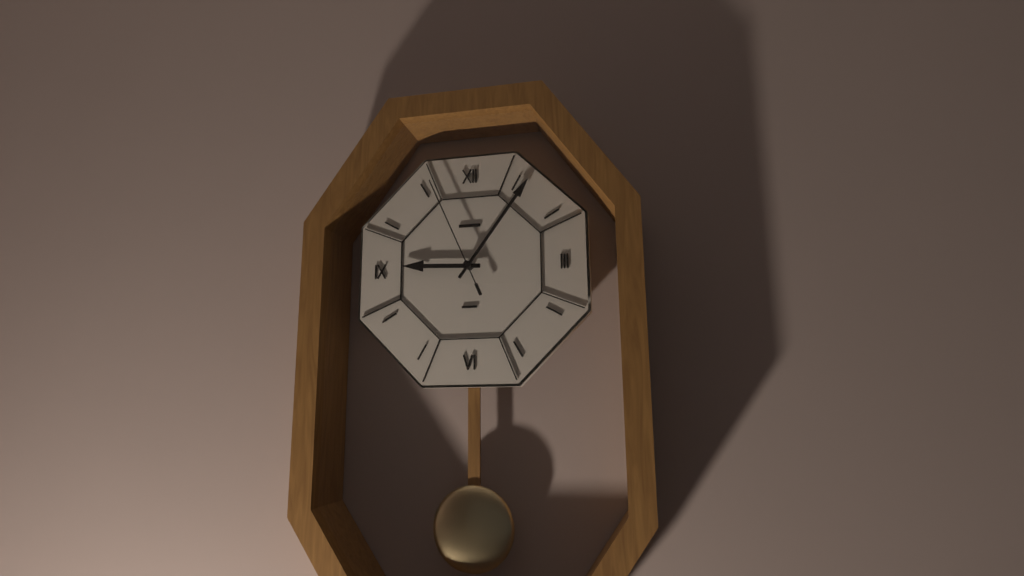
9:06:56
